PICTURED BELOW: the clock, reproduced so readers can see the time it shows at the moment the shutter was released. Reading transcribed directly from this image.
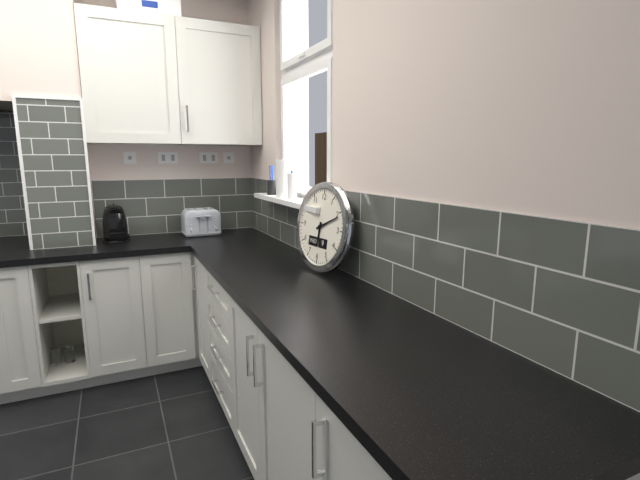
6:11
